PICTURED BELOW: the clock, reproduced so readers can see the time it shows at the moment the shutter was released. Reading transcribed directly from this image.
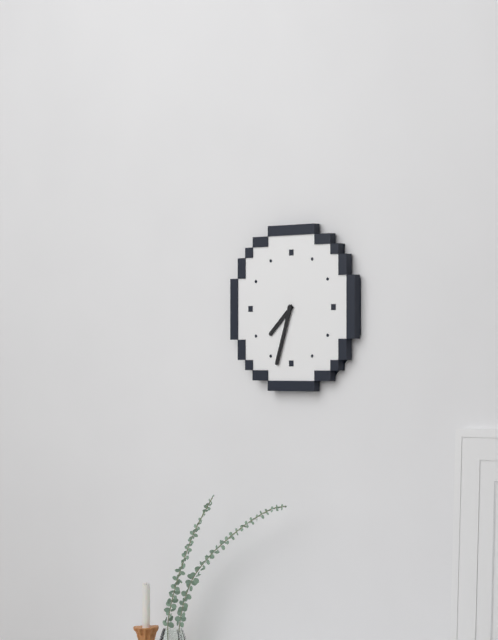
7:33
